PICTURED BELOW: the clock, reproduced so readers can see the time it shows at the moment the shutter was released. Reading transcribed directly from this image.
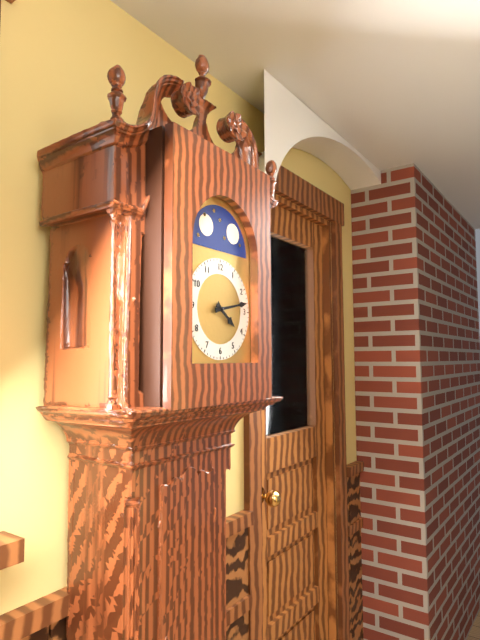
4:13
